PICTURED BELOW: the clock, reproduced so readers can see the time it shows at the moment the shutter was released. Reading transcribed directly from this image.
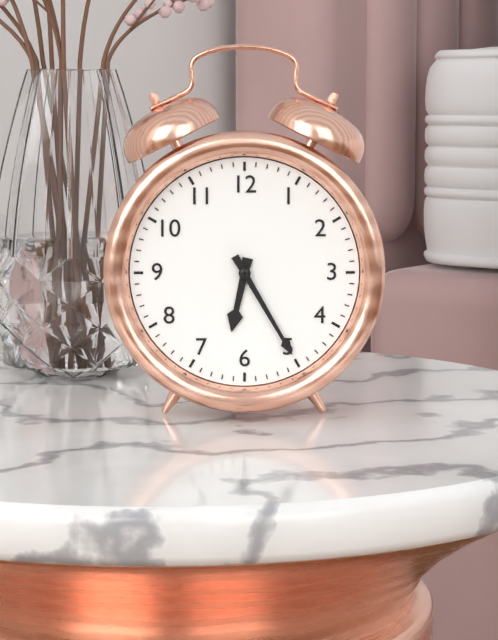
6:25
